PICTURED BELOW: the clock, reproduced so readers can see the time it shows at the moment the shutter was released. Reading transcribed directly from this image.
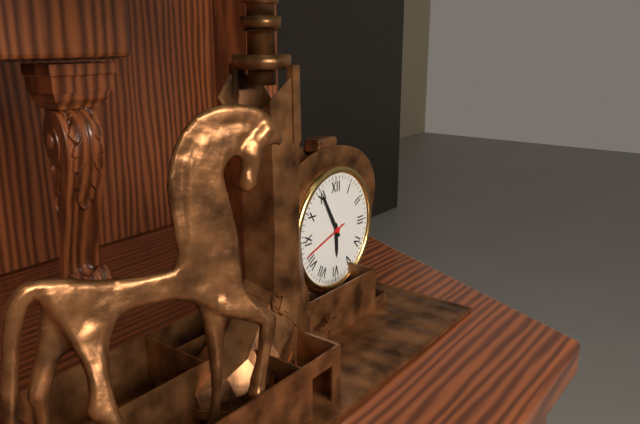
5:55
